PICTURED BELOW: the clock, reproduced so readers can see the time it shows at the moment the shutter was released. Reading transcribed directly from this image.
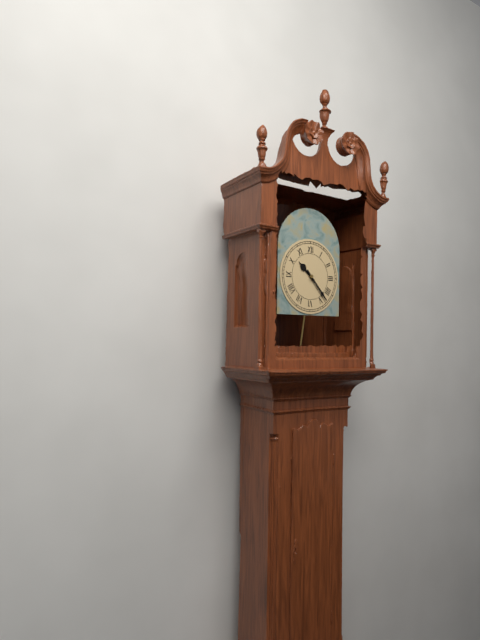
10:23
